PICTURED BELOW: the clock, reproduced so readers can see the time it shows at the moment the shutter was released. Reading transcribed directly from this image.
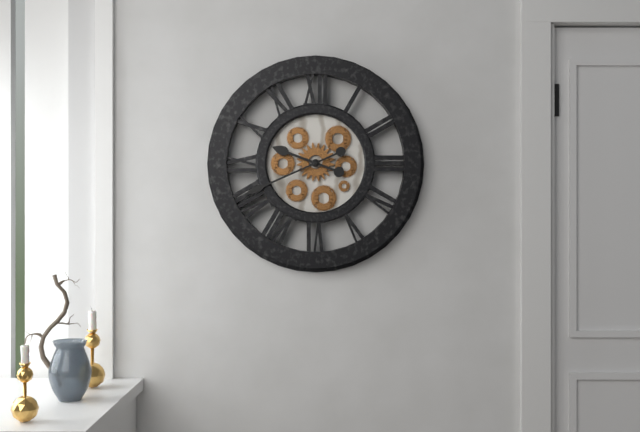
9:41
